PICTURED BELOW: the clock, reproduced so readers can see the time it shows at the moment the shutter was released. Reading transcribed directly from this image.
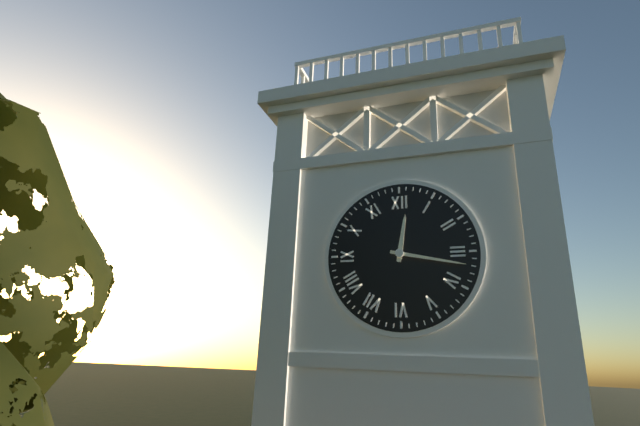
12:17
